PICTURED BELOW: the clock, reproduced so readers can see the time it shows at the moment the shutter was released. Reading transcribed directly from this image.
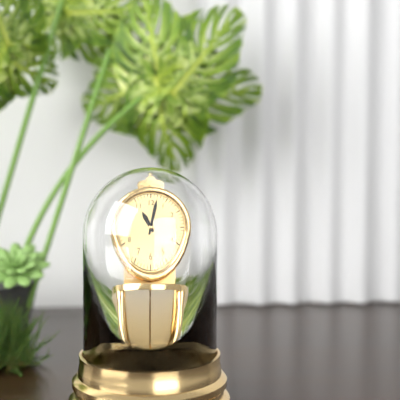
11:02
